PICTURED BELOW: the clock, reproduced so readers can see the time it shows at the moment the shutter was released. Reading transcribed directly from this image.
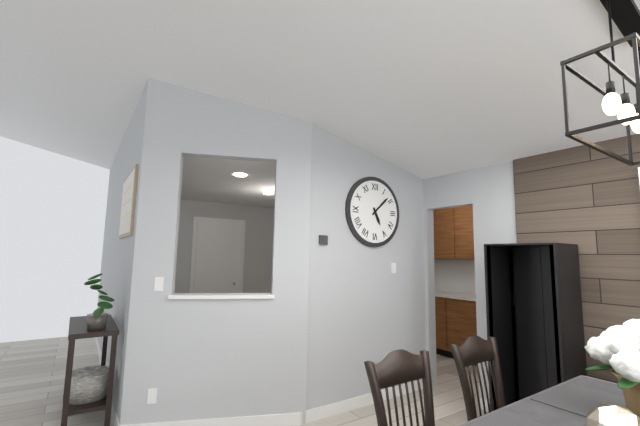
5:08
